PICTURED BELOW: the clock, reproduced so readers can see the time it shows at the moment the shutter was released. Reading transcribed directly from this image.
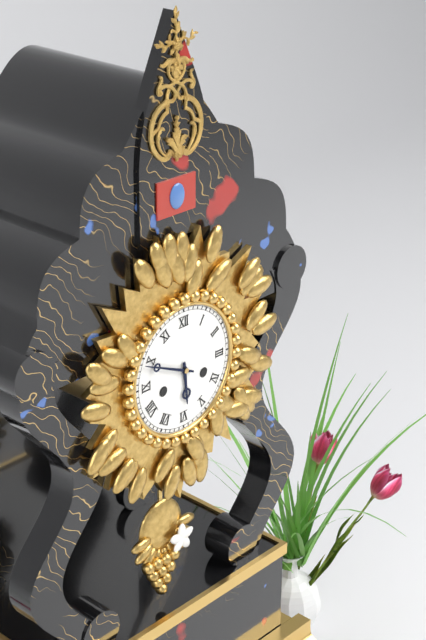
5:49
